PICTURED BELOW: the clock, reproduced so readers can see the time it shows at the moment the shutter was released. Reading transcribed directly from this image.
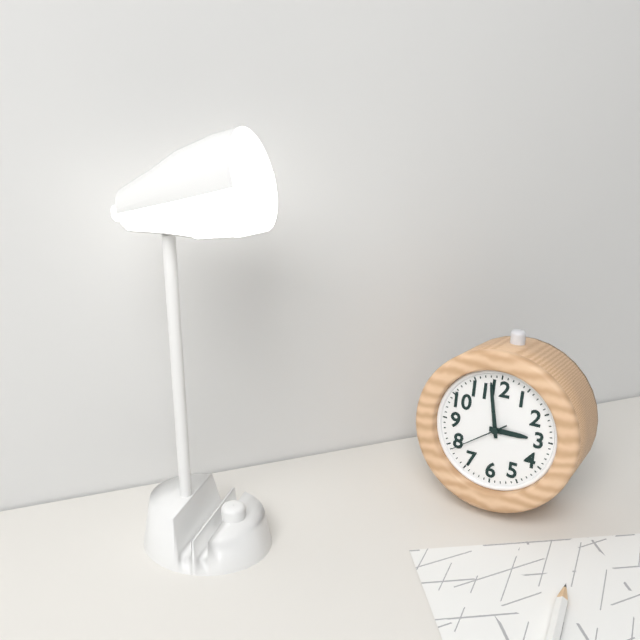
2:58:39
